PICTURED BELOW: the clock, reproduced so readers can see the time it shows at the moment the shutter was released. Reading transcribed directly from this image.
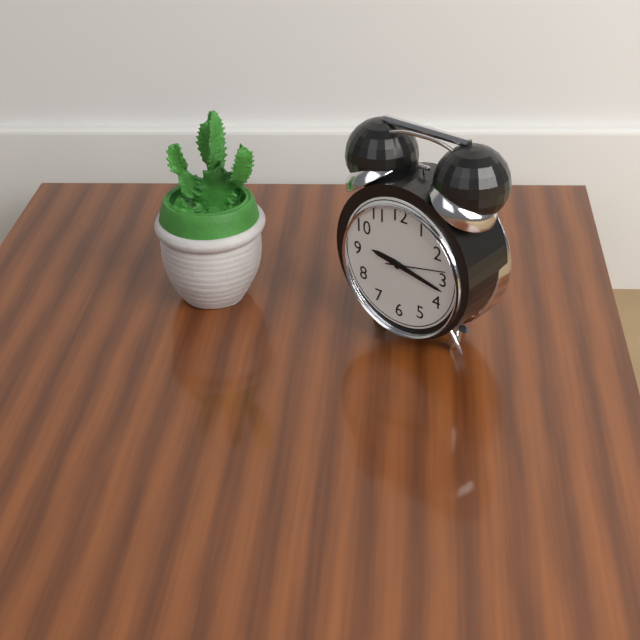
9:17:13
